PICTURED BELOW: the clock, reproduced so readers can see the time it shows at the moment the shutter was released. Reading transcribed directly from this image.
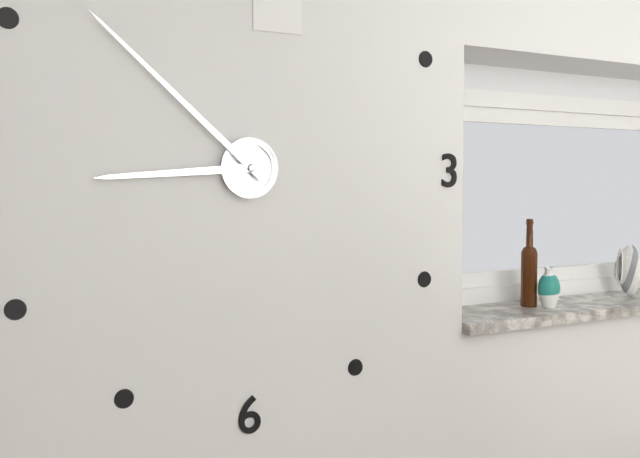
8:52
